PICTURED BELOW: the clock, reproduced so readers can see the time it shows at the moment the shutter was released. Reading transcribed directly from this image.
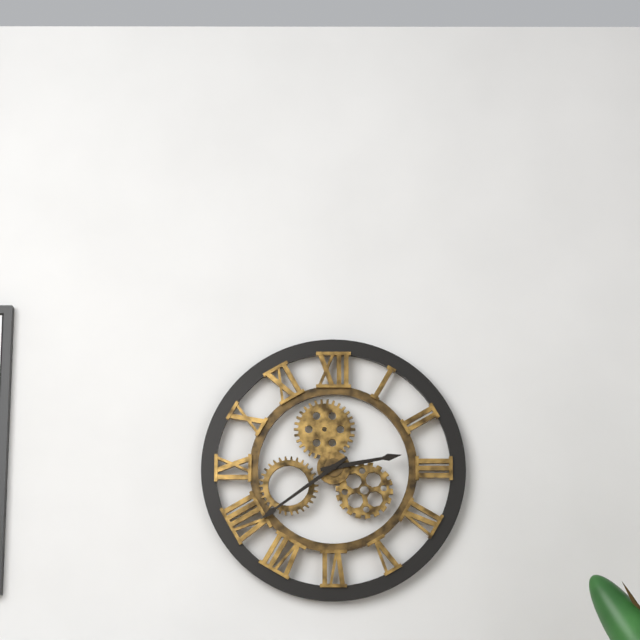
2:39
